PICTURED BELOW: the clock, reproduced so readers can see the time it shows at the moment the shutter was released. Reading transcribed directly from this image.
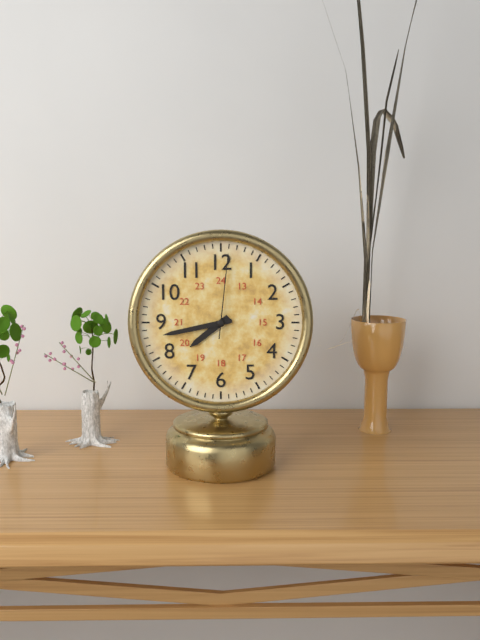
7:43:01
